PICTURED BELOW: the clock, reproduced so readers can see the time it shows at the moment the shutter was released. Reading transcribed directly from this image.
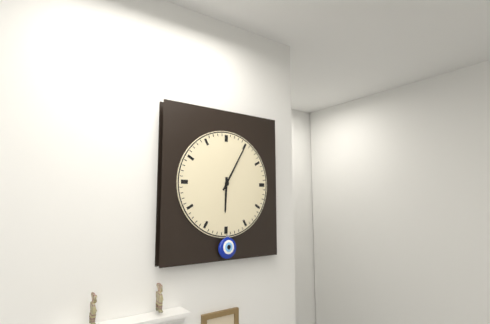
6:05
